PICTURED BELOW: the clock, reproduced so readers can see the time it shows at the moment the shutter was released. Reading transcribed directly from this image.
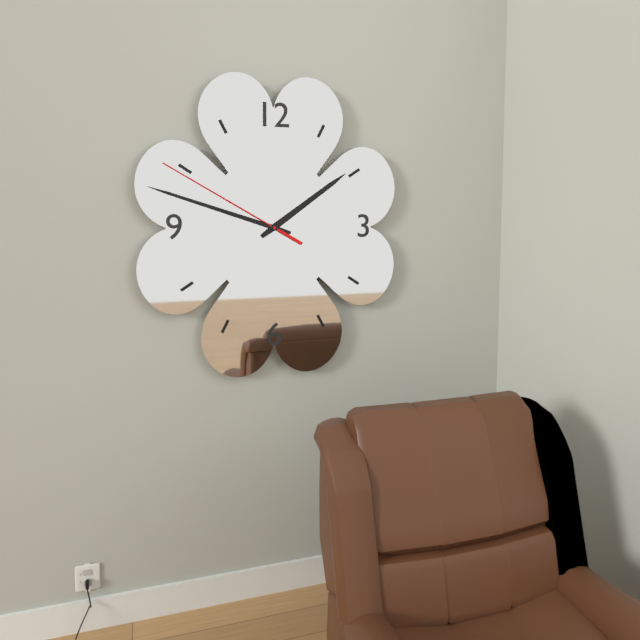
1:48:50
